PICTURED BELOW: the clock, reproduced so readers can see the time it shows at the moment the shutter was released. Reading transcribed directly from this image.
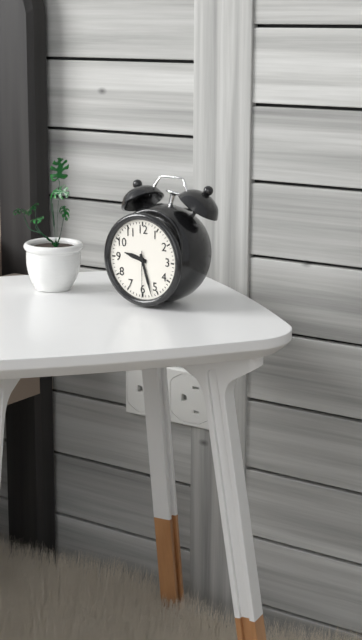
9:27
